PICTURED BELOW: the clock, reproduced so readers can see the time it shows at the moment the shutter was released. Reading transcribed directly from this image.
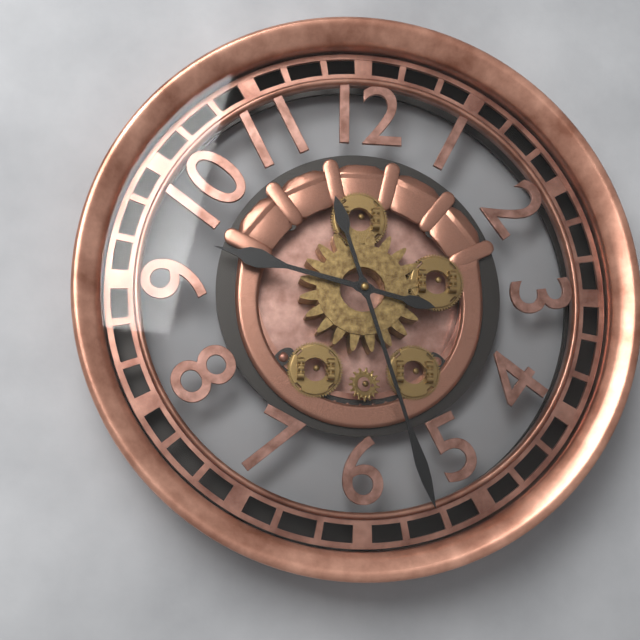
9:27
